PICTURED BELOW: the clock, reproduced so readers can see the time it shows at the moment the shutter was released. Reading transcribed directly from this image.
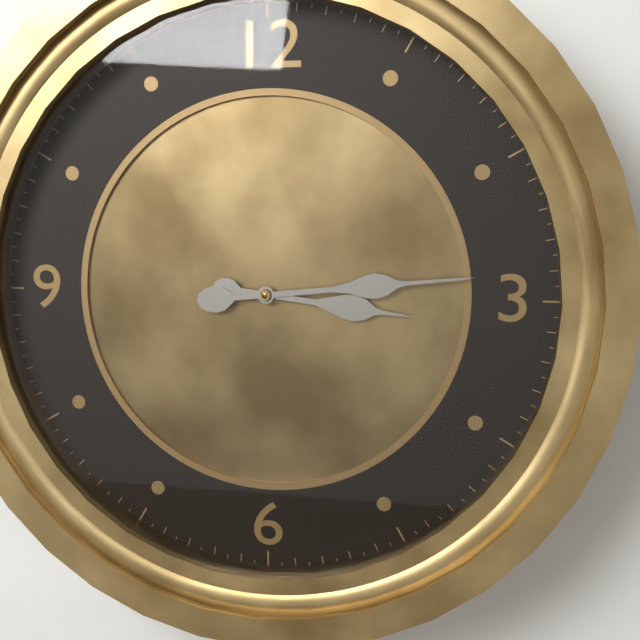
3:14
